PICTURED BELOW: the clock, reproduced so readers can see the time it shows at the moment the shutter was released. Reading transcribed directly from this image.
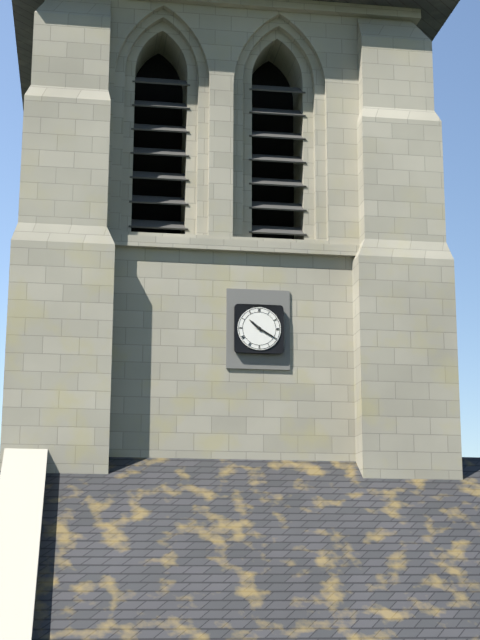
10:20
